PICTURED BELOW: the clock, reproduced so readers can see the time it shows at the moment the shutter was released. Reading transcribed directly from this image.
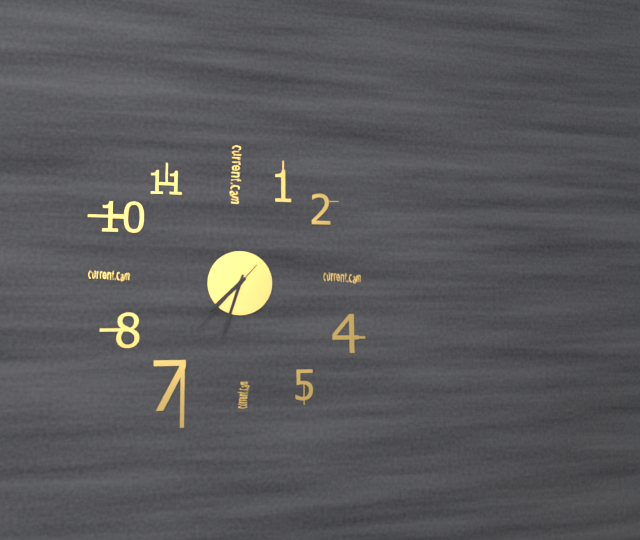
7:33:37
